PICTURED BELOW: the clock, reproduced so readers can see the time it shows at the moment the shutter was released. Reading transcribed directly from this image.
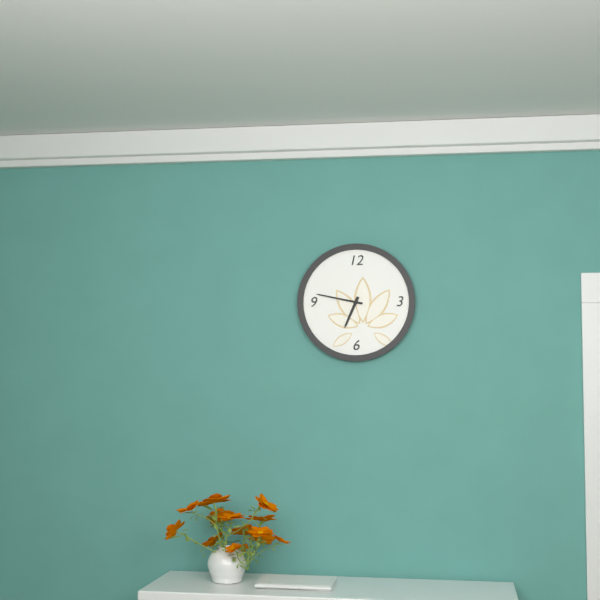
6:47
